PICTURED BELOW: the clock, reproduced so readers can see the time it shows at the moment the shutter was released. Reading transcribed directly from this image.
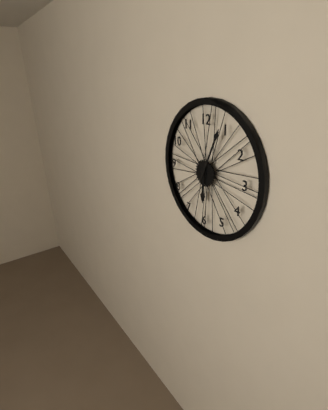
6:04
